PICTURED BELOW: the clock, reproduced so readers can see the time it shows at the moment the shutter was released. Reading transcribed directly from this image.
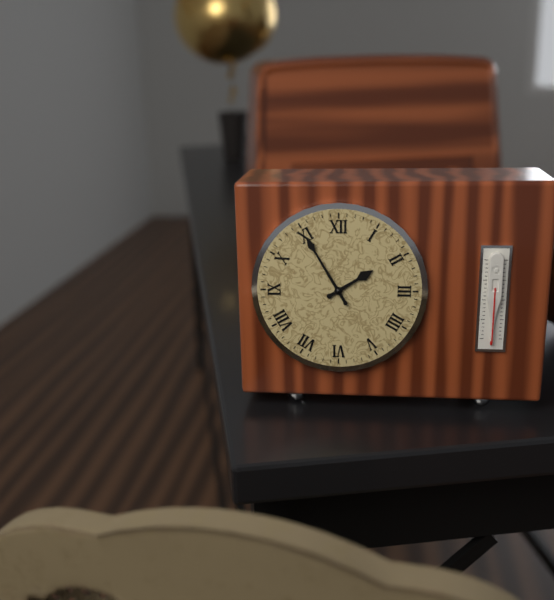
1:55
